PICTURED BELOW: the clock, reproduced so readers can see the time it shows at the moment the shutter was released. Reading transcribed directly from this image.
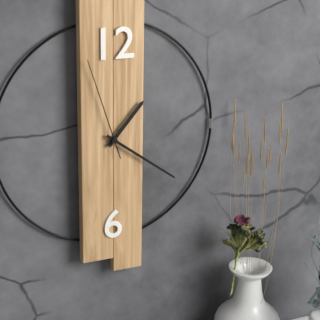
1:21:57
